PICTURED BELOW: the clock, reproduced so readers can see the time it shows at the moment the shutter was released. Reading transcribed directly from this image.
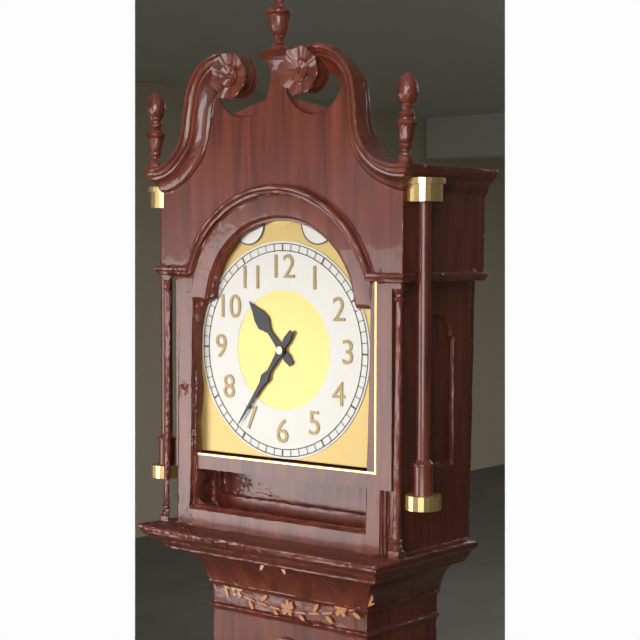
10:36
